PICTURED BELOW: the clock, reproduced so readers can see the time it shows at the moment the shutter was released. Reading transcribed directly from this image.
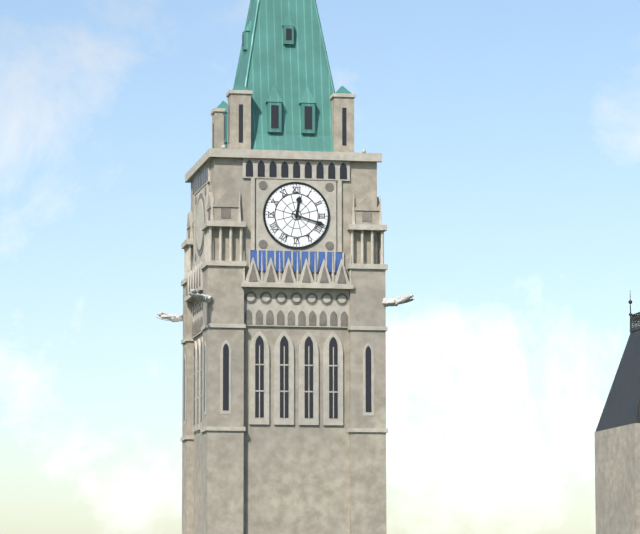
12:18
